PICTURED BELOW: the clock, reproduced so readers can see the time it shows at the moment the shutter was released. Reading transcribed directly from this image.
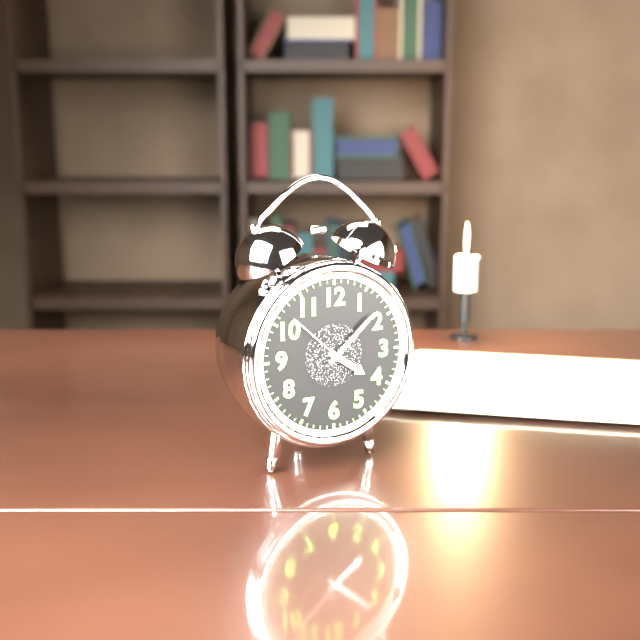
4:08:52
